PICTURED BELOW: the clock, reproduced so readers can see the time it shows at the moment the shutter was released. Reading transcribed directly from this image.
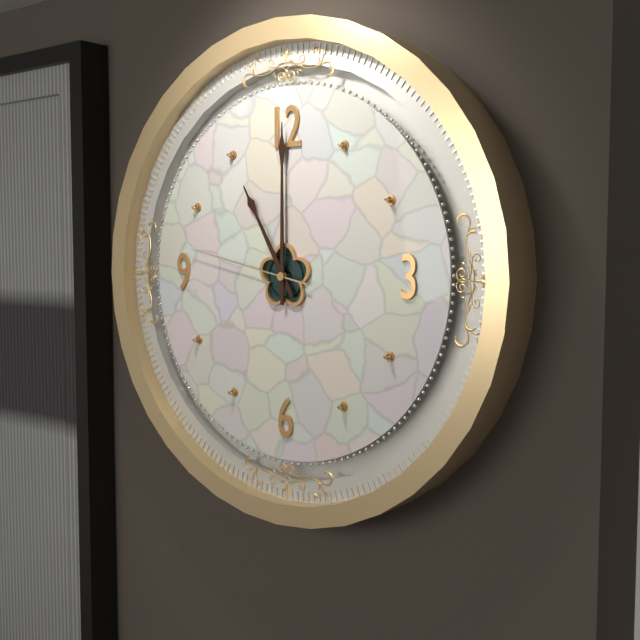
11:00:47
